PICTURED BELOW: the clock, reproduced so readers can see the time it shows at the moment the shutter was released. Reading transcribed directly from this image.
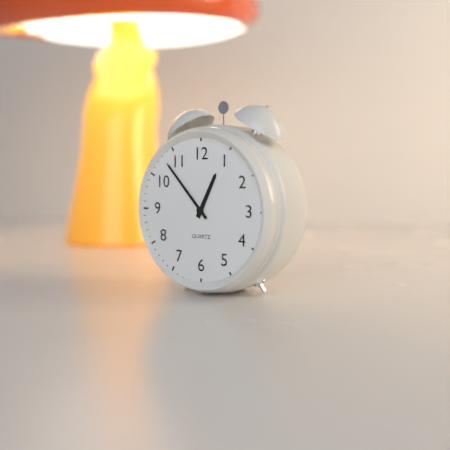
12:53
